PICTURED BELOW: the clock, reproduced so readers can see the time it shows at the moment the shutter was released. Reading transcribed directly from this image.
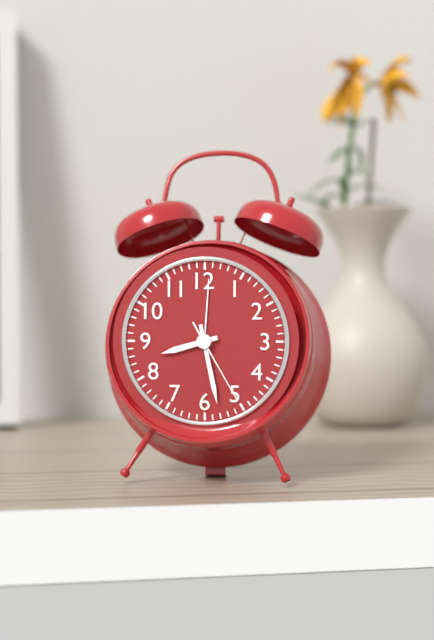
8:28:25
